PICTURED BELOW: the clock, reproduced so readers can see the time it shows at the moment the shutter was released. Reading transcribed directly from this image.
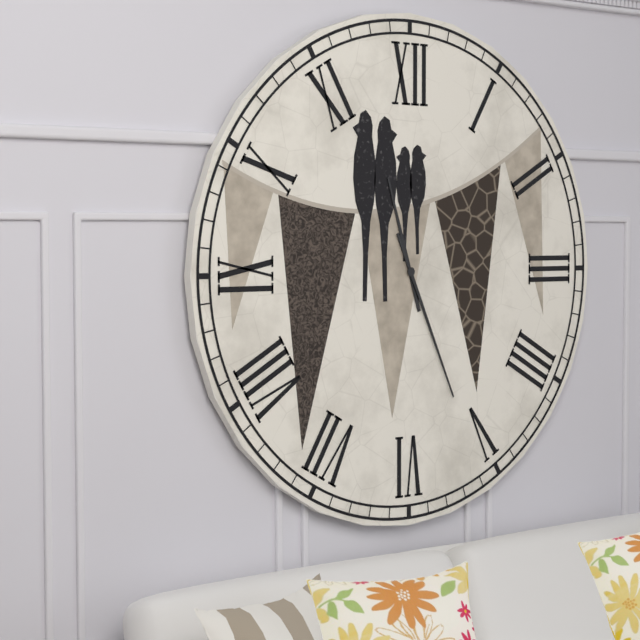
11:26
